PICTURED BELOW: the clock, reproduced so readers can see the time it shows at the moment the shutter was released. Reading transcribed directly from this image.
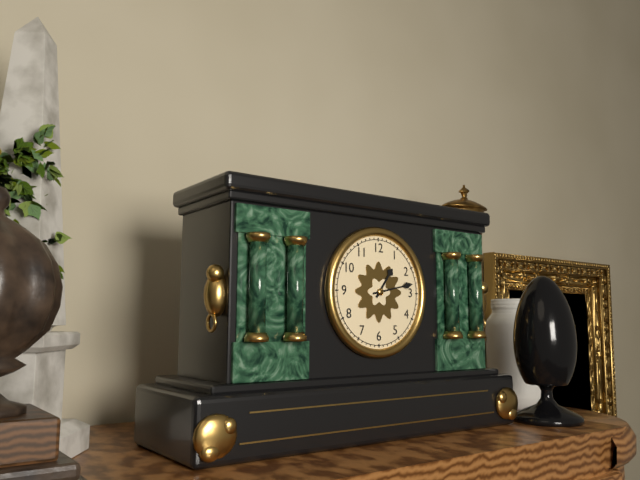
1:13
